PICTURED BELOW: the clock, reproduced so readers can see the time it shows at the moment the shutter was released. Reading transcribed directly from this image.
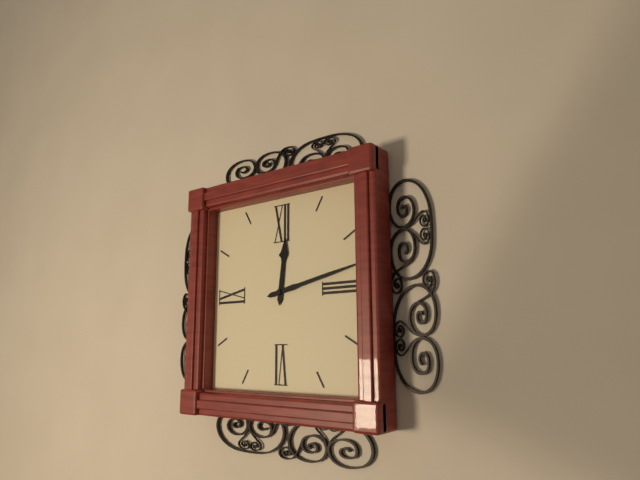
12:13
